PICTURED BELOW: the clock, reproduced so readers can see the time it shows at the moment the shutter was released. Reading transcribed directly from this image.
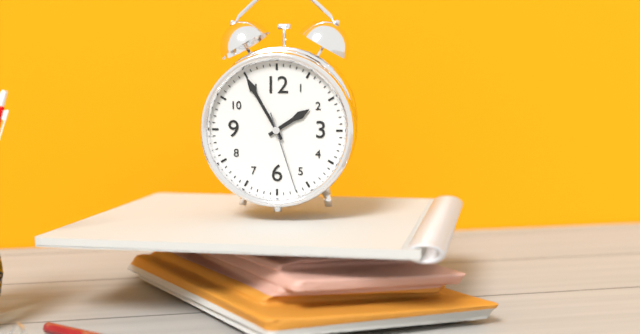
1:55:27
